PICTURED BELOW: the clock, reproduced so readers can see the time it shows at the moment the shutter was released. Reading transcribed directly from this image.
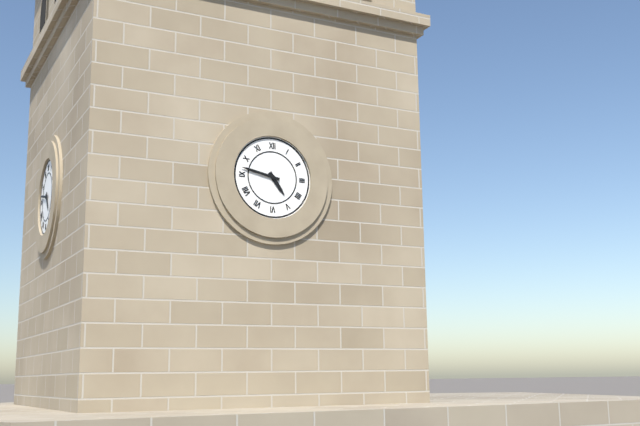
4:47
